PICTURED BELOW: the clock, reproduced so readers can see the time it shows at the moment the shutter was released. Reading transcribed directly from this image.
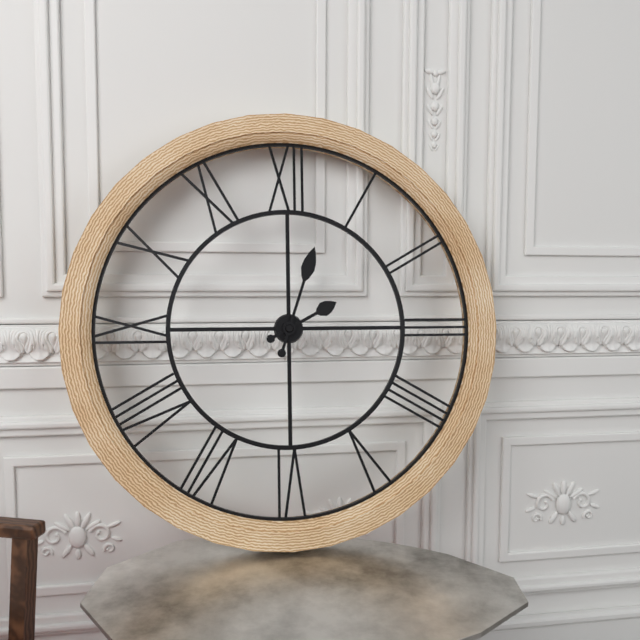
2:03
